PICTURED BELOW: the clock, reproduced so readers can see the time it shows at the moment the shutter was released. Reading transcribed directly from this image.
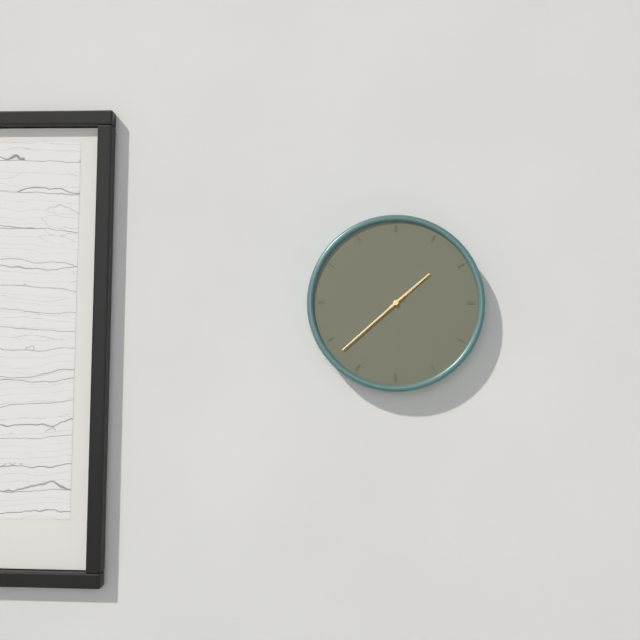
1:38
